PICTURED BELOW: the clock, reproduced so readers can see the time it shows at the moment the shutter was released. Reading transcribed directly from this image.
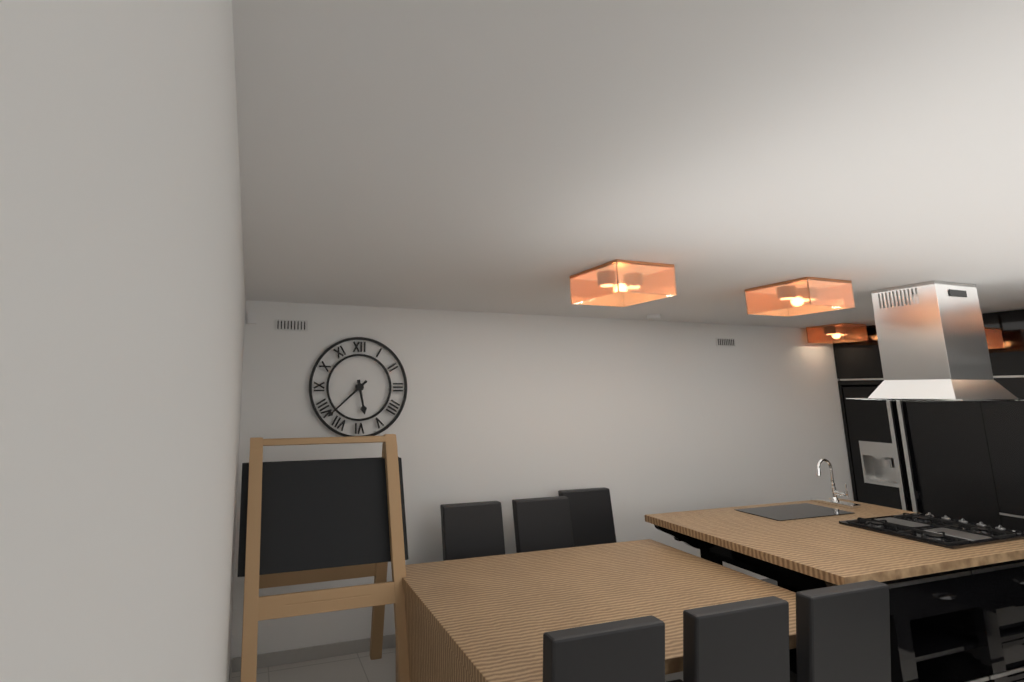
5:38
